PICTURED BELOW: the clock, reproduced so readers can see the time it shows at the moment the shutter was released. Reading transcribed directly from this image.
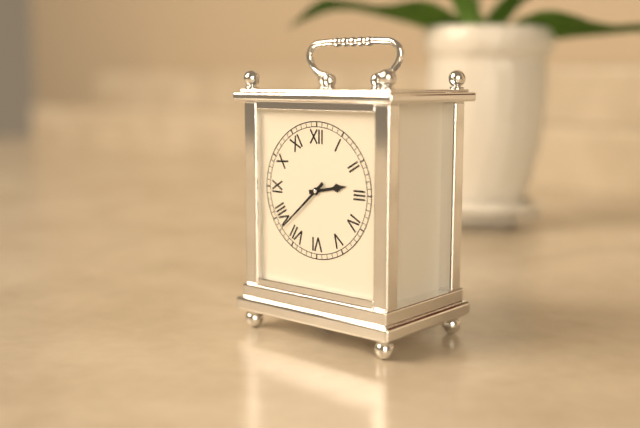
2:38
